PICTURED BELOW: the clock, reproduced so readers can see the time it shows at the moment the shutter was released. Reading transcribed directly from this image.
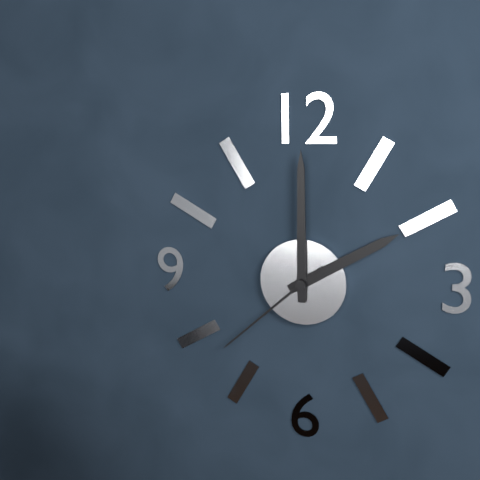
2:00:38
